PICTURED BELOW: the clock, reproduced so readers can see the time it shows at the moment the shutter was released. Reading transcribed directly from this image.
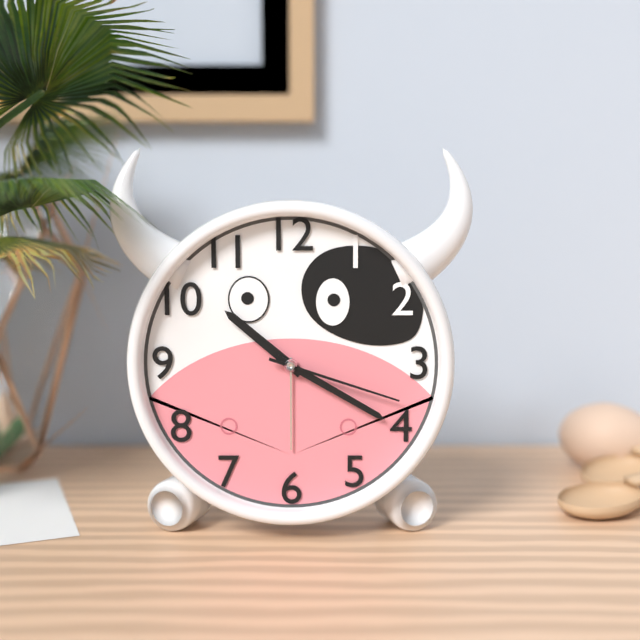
10:20:18
